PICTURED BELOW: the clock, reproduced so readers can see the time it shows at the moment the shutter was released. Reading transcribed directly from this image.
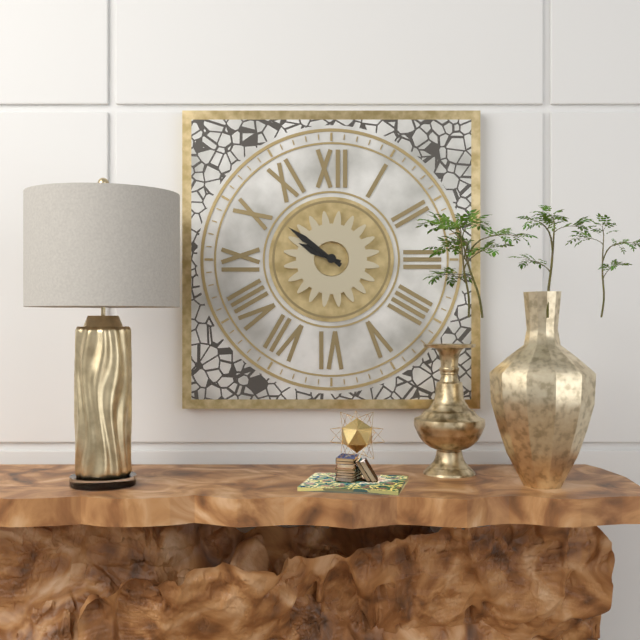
9:51
